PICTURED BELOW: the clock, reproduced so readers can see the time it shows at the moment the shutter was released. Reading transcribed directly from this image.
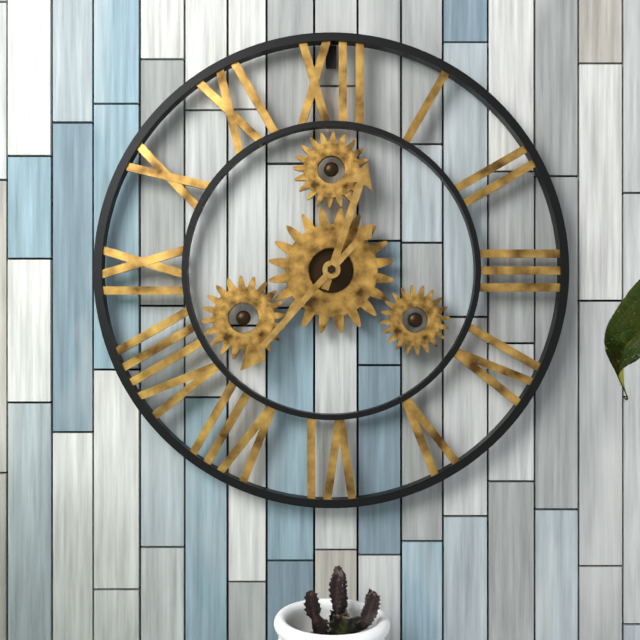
12:37
